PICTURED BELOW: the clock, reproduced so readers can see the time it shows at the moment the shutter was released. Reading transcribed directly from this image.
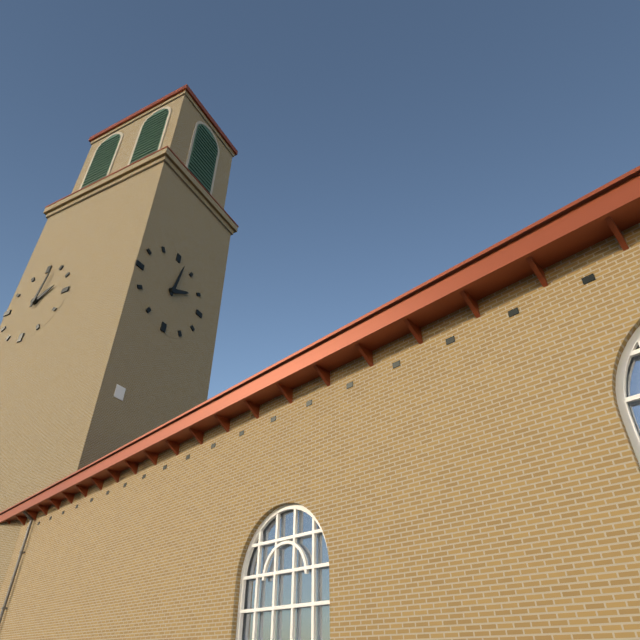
2:02
